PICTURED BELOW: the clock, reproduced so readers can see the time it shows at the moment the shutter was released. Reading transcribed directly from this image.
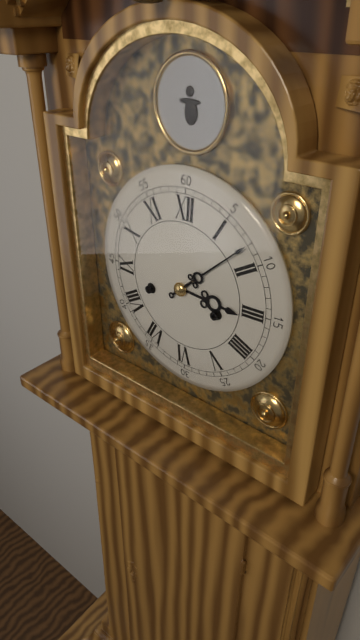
3:08
